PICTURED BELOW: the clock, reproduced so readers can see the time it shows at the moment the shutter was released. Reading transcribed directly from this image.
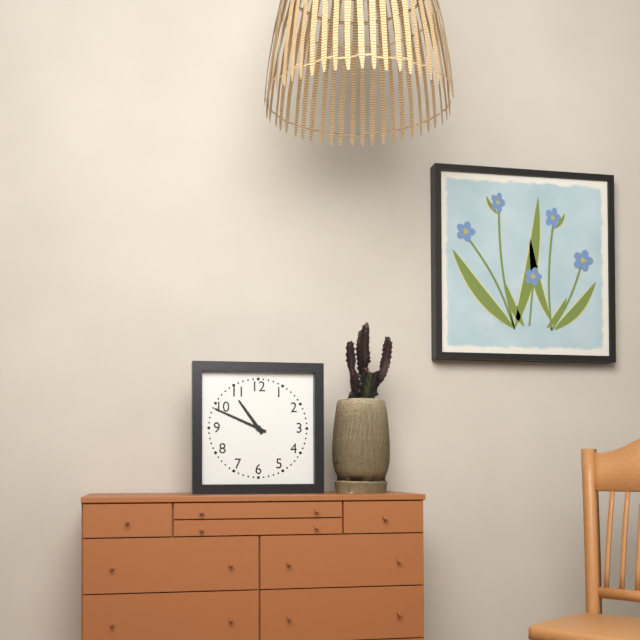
10:49
